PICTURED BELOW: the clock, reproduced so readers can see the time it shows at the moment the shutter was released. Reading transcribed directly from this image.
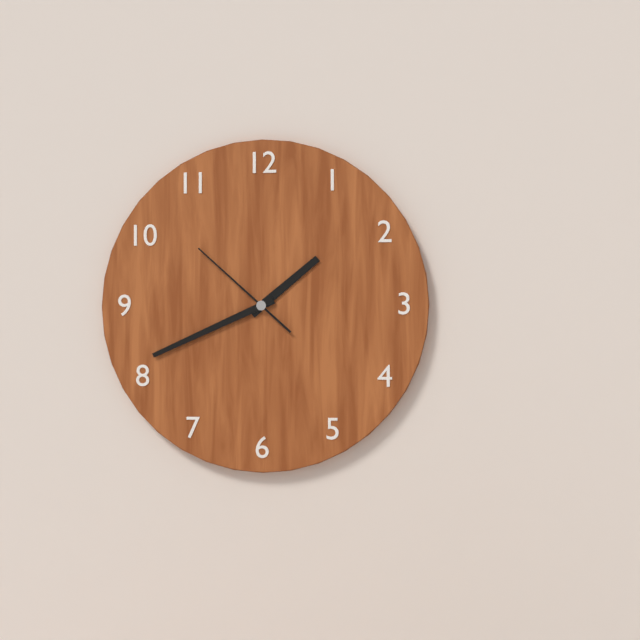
1:41:52
